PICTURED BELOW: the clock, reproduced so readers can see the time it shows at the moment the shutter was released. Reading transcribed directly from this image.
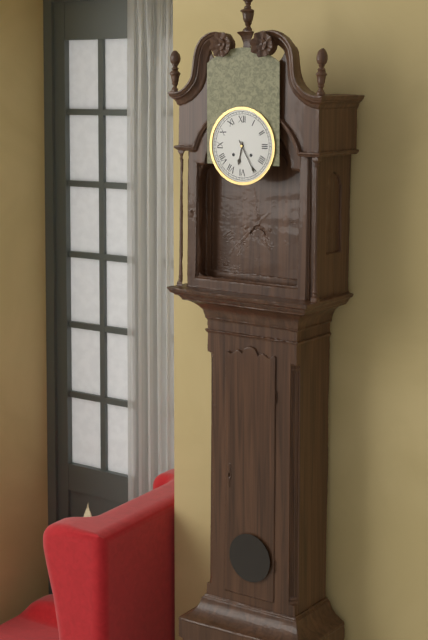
6:25
